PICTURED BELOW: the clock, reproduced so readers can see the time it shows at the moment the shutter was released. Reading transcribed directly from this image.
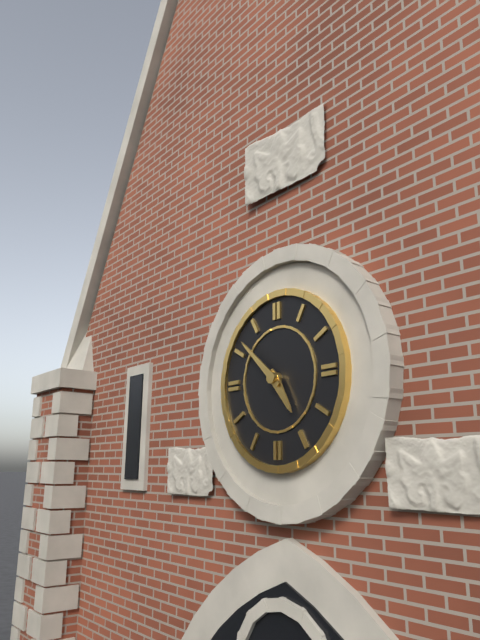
4:52
